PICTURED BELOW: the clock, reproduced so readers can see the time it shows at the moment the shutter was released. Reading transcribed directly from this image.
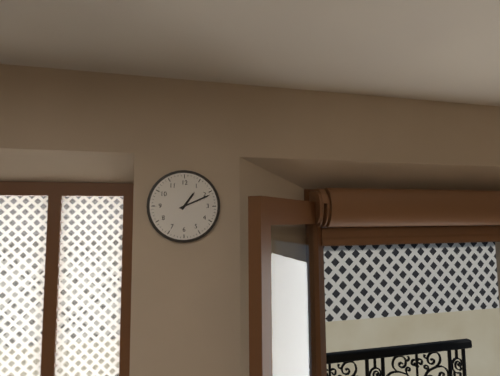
1:11
